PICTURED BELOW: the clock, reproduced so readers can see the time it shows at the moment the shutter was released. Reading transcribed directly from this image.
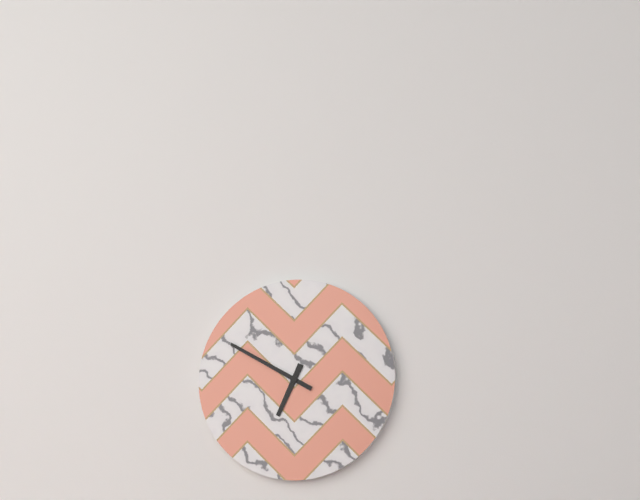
6:50
